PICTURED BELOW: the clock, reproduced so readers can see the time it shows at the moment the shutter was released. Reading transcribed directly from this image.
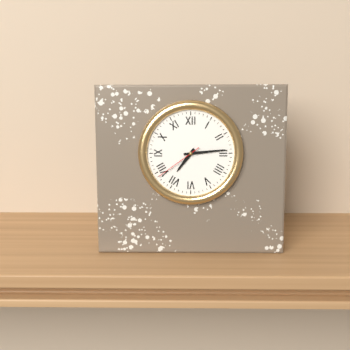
7:14
